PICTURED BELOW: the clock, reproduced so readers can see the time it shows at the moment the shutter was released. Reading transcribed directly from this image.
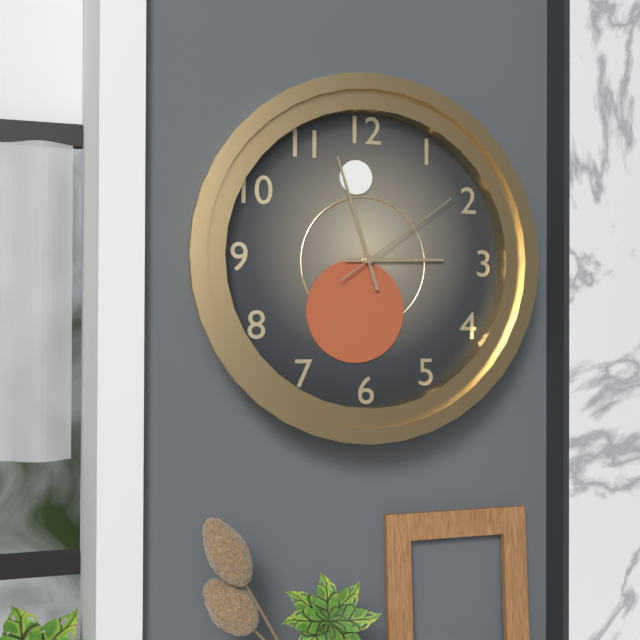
2:57:09
